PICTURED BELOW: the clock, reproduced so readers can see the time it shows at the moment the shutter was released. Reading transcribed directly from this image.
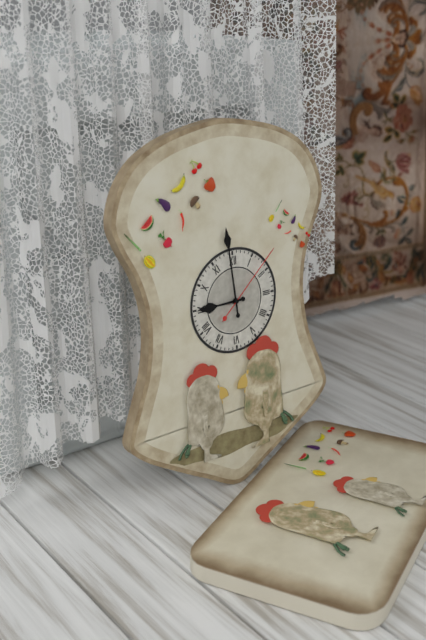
8:59:08
